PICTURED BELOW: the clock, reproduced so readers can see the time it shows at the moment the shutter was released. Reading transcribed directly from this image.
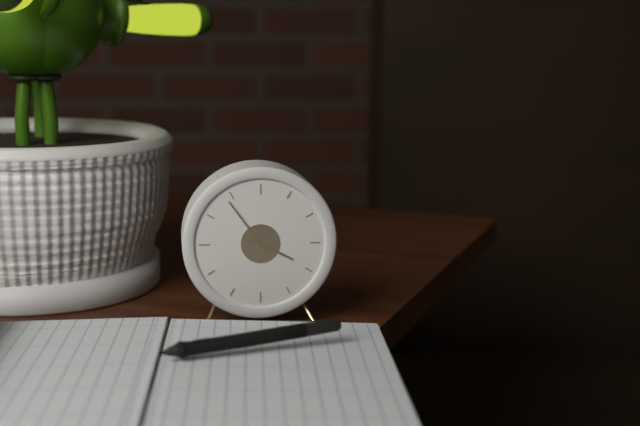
3:54
